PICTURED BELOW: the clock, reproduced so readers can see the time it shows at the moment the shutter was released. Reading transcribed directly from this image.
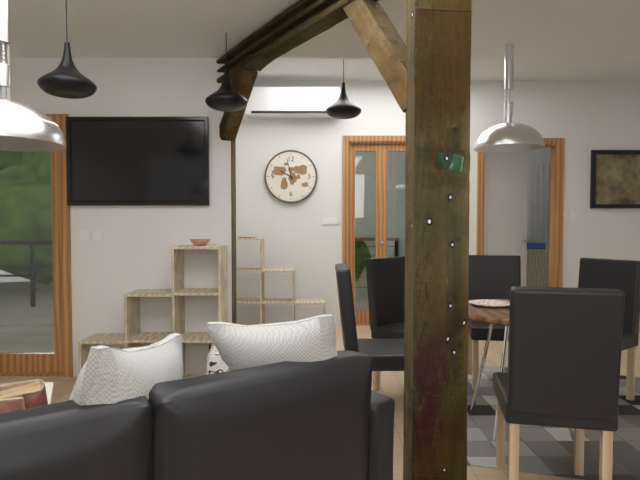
9:58
